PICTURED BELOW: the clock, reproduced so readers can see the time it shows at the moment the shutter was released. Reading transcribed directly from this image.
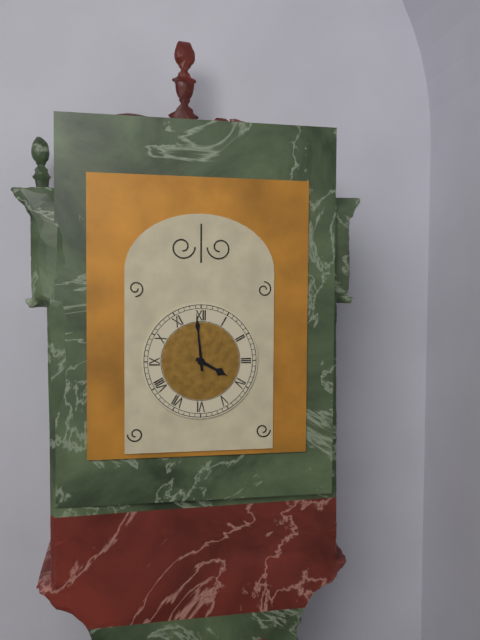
3:59
